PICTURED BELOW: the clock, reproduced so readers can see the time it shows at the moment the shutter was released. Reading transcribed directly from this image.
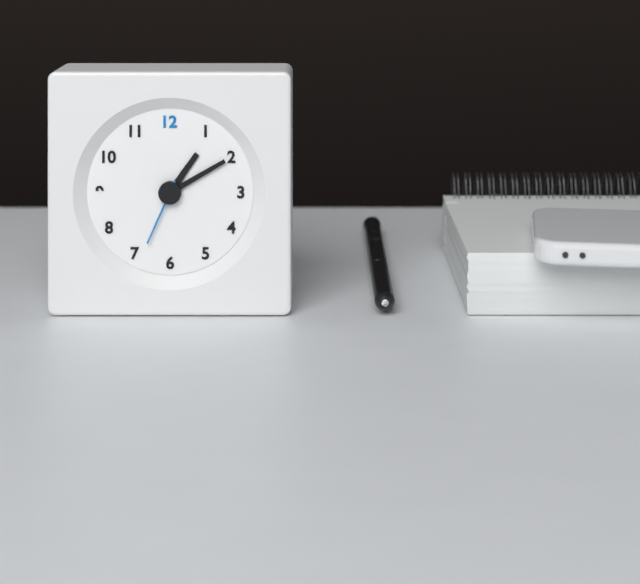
1:10:34
